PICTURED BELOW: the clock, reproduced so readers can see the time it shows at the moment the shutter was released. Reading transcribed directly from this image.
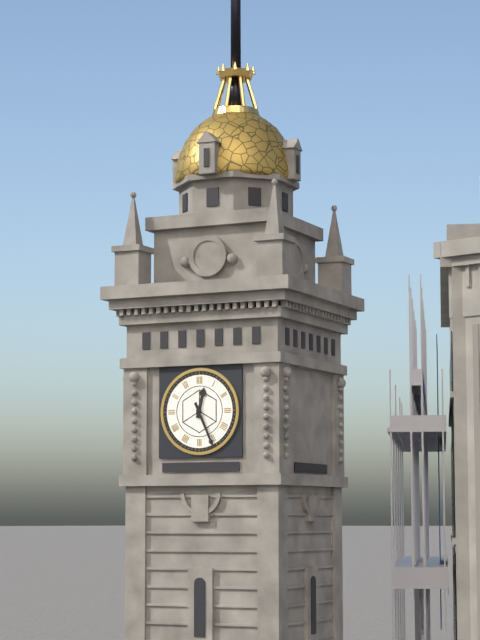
12:26
